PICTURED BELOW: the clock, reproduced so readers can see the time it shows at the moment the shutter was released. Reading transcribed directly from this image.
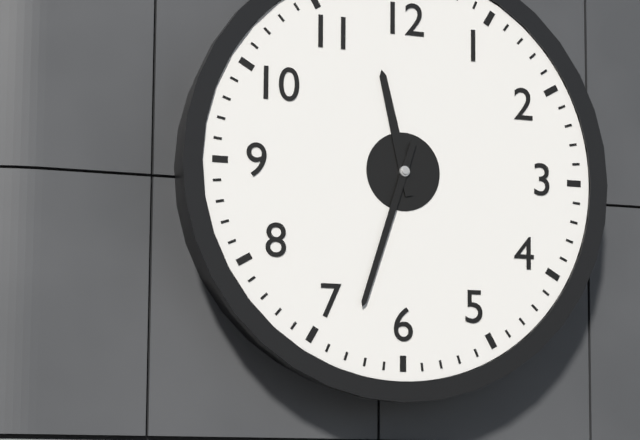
11:33
